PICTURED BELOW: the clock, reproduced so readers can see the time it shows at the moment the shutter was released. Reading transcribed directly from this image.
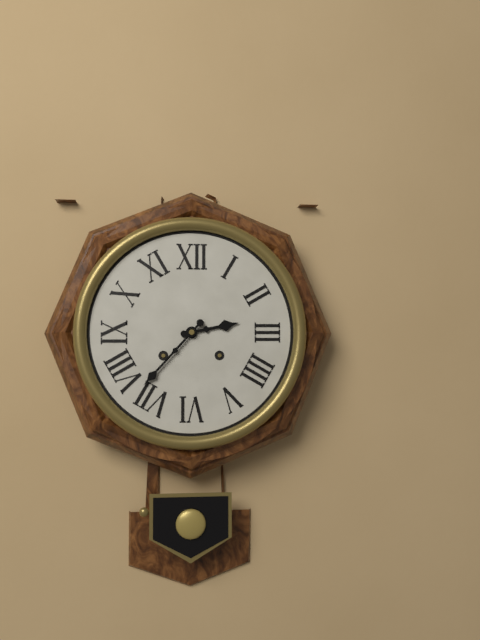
2:37
